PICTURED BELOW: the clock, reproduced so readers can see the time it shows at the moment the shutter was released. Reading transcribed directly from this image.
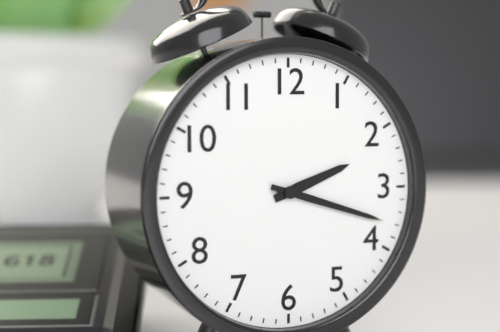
2:18
